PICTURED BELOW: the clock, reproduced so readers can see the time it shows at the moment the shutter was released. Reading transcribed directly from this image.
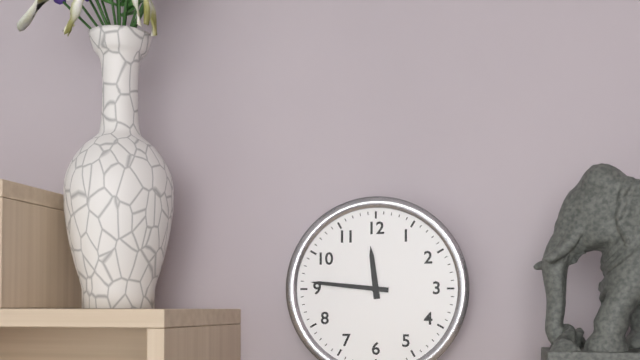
11:46
